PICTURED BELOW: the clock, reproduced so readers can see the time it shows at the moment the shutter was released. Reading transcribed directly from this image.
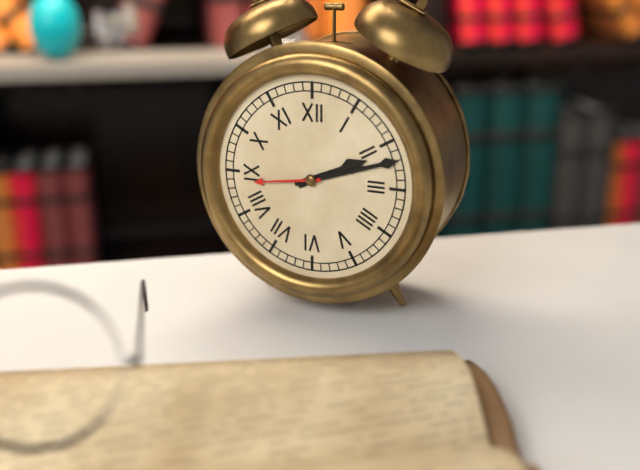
2:12
